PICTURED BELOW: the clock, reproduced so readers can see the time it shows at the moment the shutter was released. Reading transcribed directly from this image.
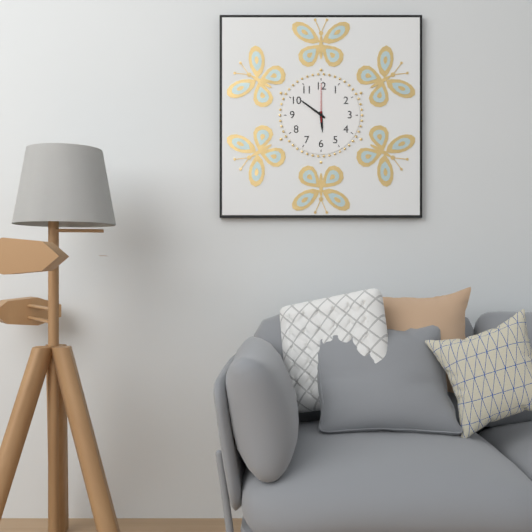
5:51
